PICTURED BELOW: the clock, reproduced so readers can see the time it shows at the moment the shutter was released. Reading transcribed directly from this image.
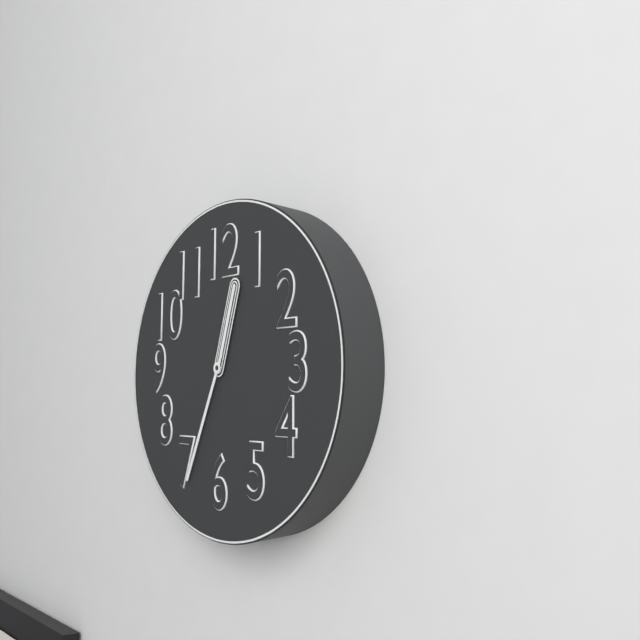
12:34
